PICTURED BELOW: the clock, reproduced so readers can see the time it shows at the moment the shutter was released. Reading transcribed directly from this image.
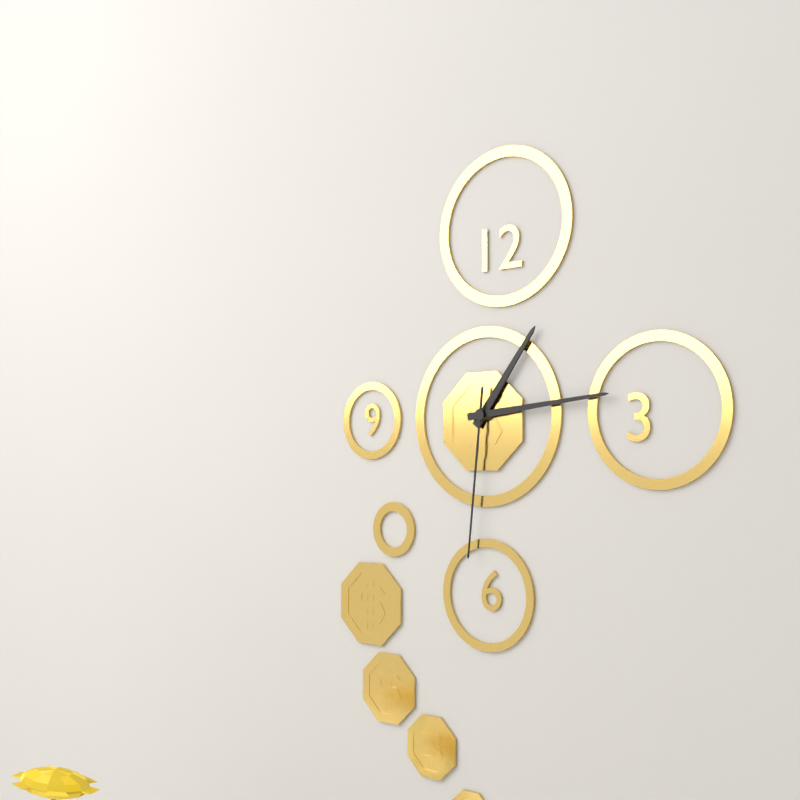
1:14:31
